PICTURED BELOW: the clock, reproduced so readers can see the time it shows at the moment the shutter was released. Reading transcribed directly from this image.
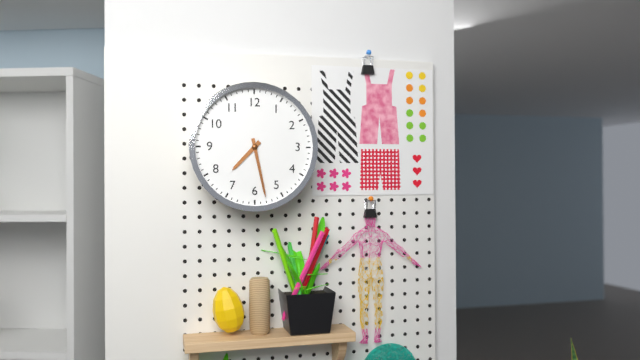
7:28
